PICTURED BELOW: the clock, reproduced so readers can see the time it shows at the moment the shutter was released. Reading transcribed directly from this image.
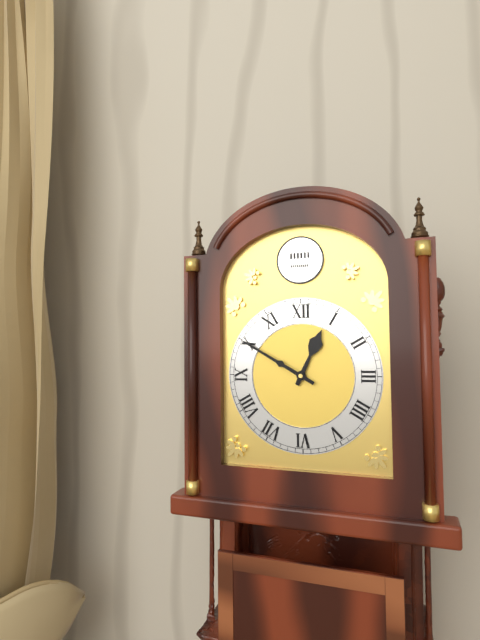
12:50
